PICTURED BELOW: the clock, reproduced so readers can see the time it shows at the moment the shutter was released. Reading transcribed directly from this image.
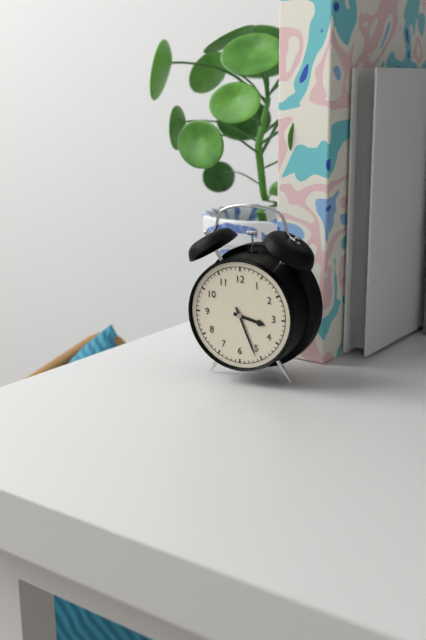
3:26
